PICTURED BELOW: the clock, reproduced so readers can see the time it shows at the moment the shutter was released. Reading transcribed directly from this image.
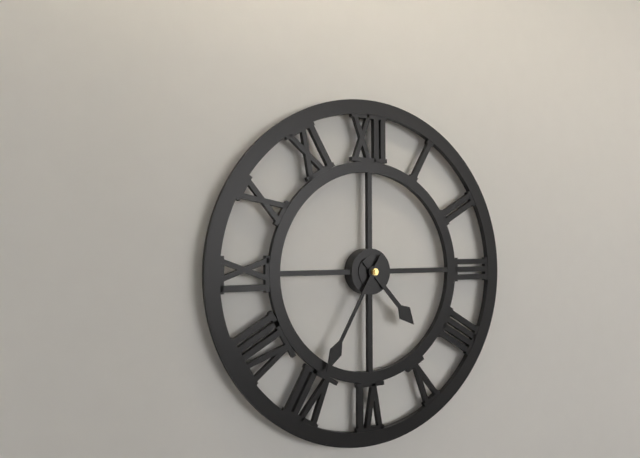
4:35
